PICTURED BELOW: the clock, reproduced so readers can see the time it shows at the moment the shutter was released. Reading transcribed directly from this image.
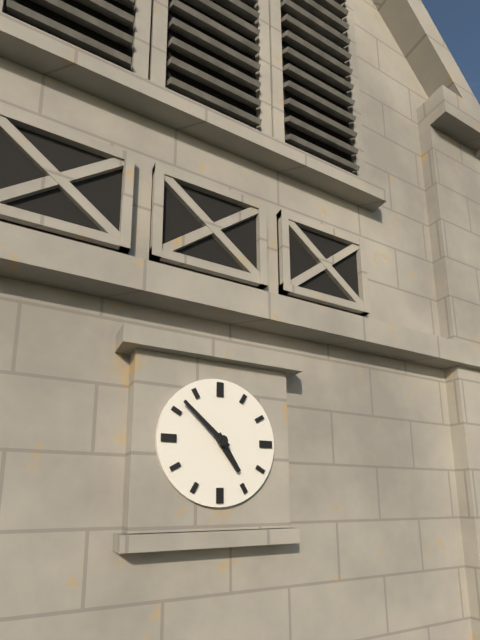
4:52
